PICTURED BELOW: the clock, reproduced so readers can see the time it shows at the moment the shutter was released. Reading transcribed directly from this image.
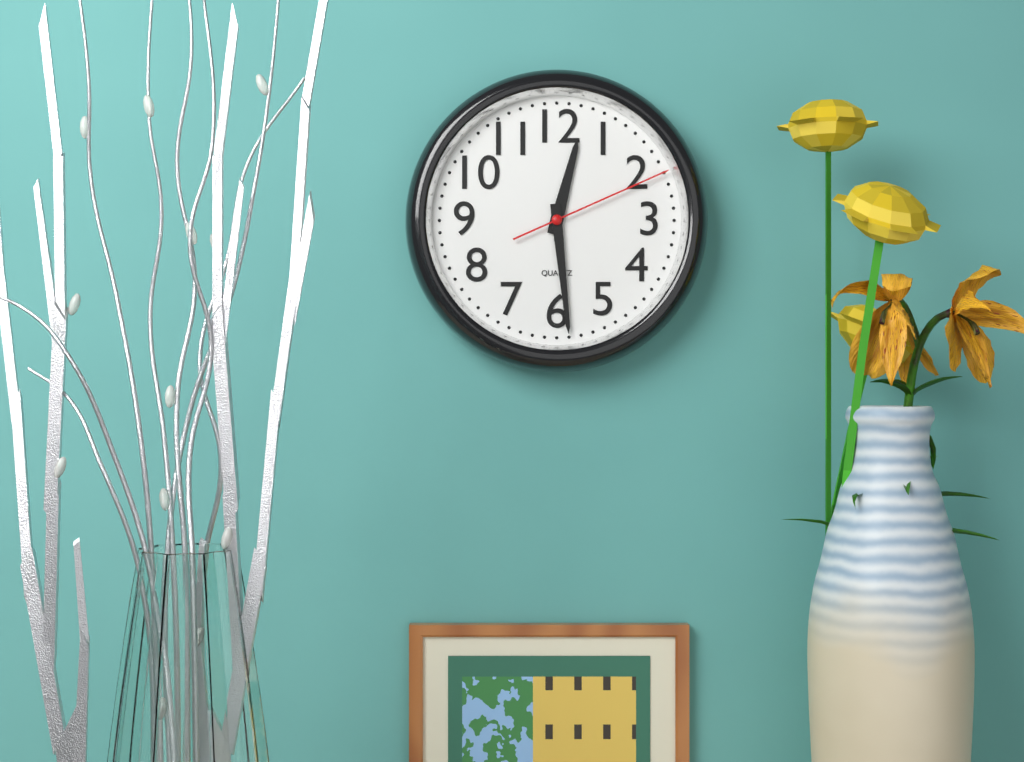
12:29:11
